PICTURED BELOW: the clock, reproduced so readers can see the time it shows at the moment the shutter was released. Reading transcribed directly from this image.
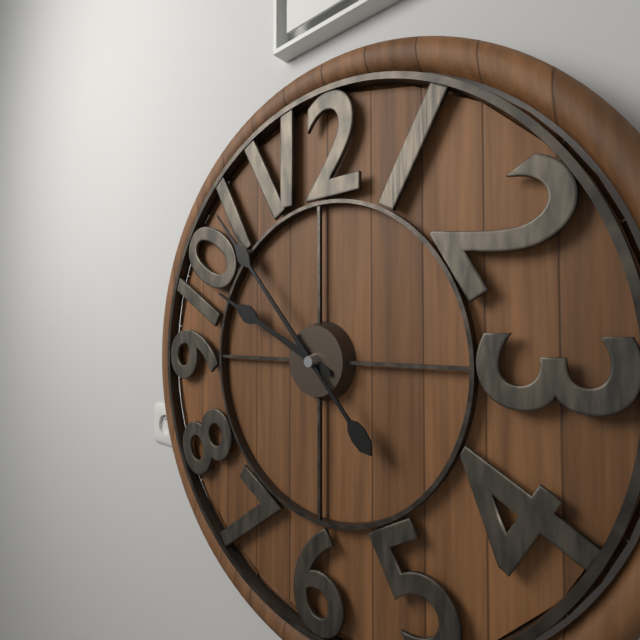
9:53
